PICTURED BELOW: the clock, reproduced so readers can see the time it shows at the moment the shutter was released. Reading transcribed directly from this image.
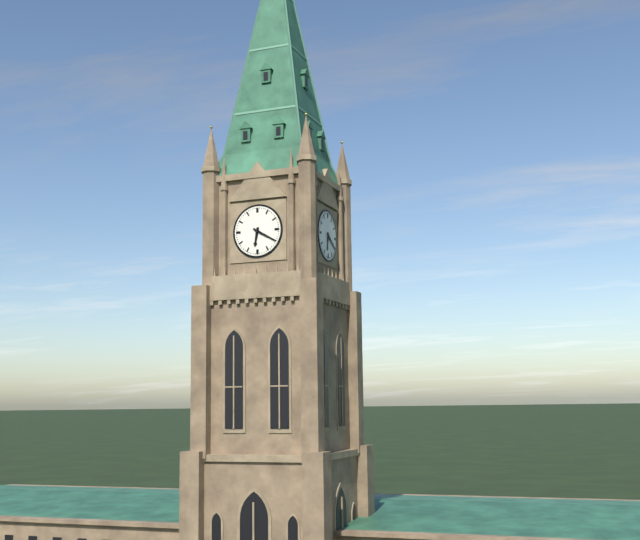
6:20
